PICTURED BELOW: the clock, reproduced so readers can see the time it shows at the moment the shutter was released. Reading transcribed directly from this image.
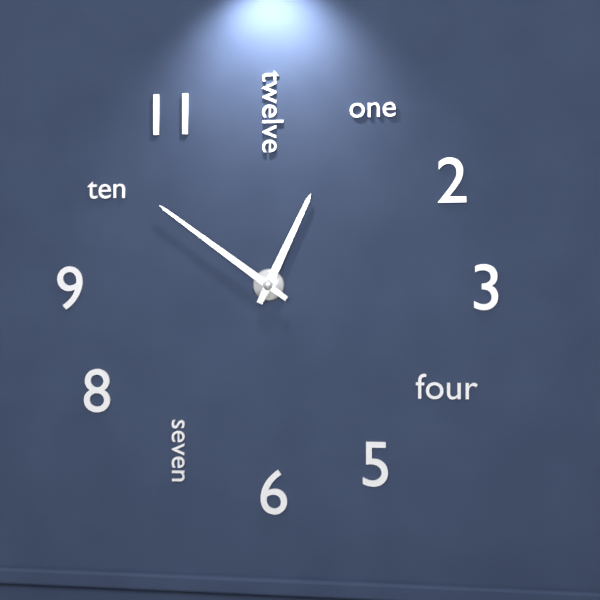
12:51
